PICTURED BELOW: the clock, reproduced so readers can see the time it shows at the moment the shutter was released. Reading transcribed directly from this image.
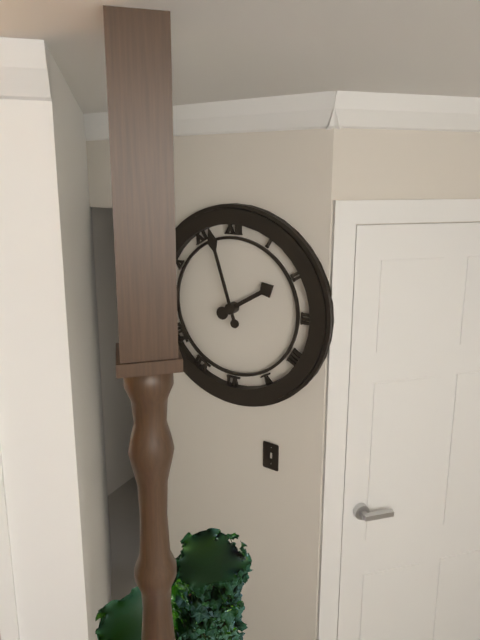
1:57
